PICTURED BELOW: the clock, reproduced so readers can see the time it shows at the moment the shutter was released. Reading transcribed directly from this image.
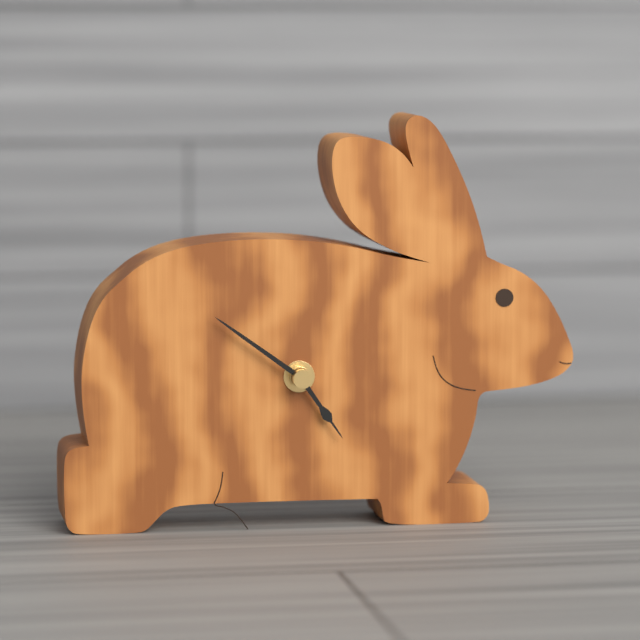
4:51
